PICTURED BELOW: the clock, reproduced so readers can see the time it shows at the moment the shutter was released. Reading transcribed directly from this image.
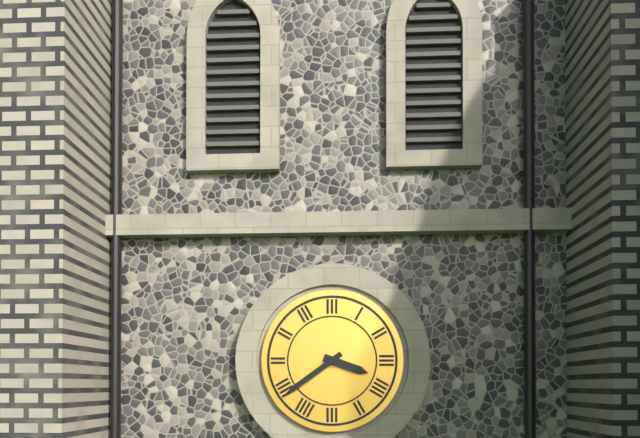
3:39
